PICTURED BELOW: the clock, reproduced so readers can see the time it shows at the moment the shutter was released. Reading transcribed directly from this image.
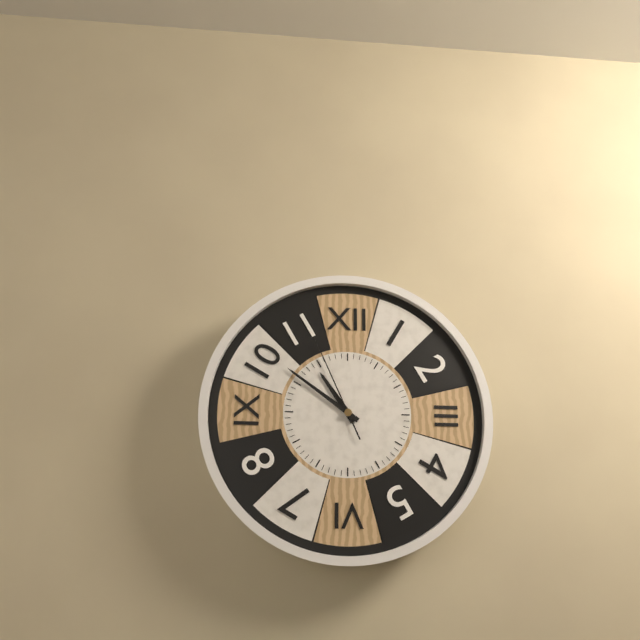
10:51:56
